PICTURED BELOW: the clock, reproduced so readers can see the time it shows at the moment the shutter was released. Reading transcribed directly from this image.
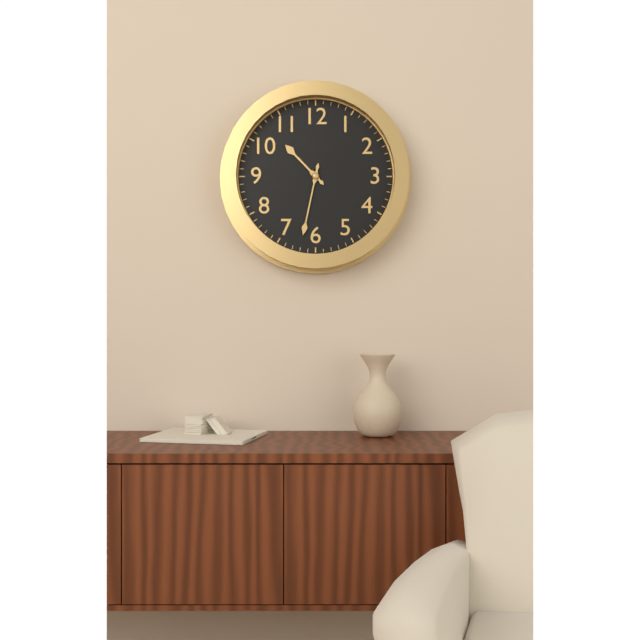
10:32
